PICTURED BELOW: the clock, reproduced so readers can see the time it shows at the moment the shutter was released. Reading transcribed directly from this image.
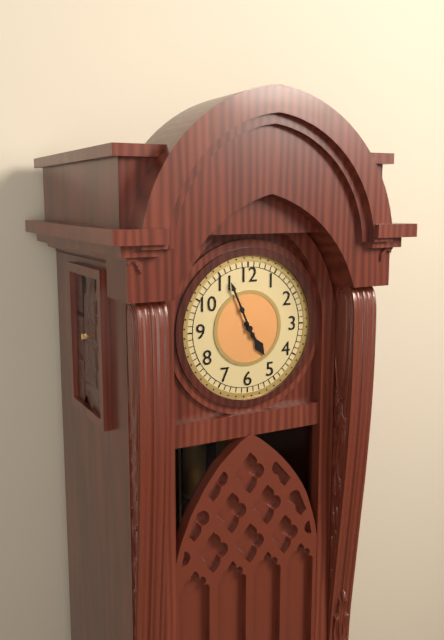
4:56
